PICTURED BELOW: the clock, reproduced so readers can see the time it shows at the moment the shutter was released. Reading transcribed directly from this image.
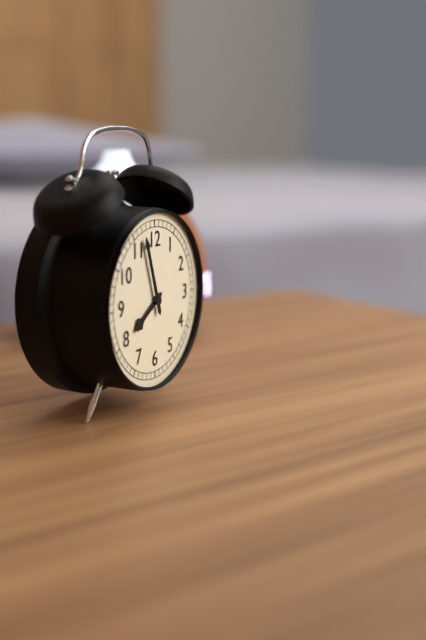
7:57
